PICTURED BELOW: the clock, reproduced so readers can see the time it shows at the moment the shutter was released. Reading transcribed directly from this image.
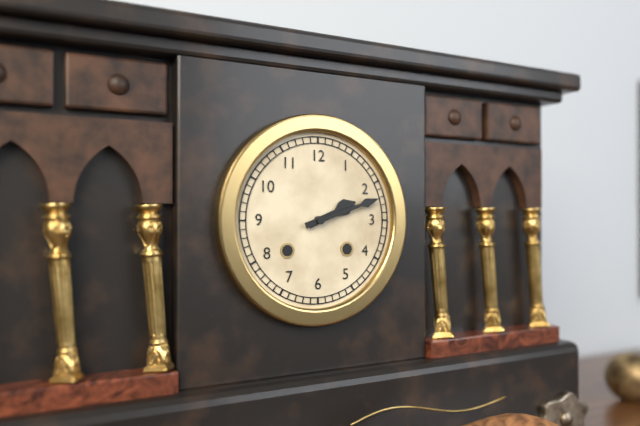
2:12
